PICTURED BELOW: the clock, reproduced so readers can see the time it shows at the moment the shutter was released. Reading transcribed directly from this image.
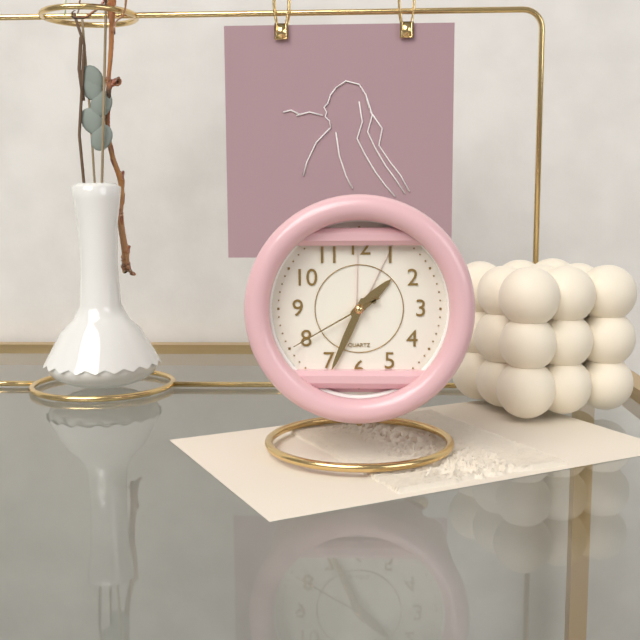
1:34:40
